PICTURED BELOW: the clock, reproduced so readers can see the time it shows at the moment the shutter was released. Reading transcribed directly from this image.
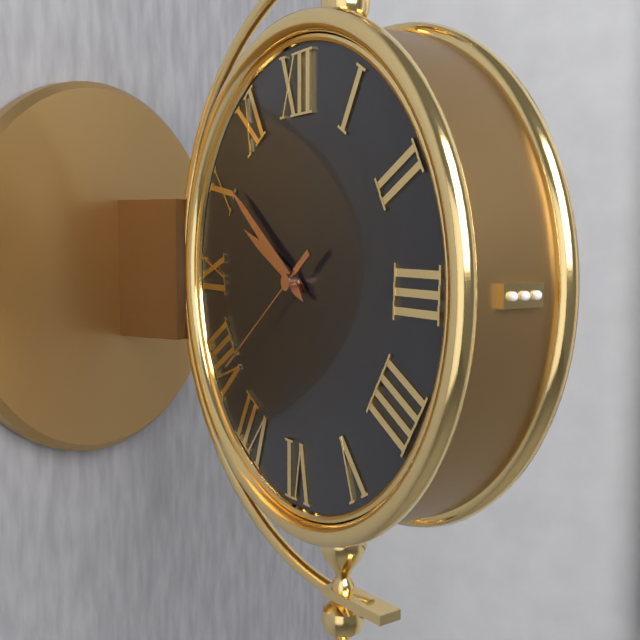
9:51:39
